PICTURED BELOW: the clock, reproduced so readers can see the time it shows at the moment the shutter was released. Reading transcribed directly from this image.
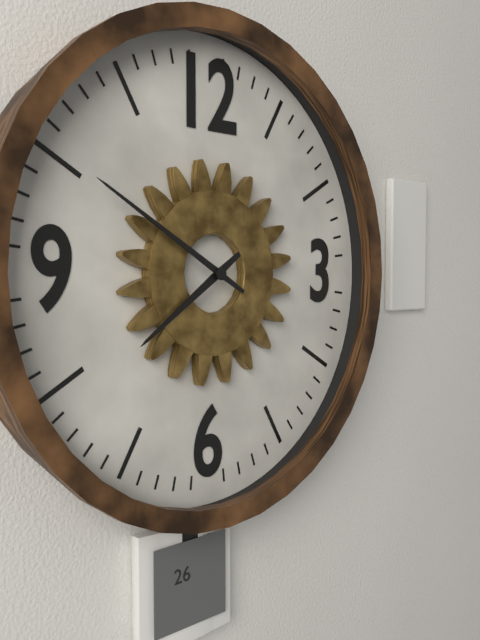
7:50
